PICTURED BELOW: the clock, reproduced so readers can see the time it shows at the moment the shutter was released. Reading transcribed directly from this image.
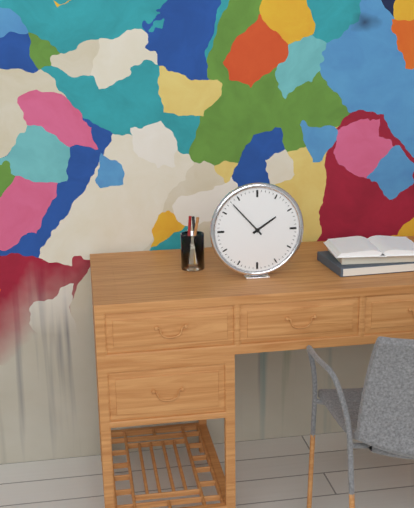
1:53
